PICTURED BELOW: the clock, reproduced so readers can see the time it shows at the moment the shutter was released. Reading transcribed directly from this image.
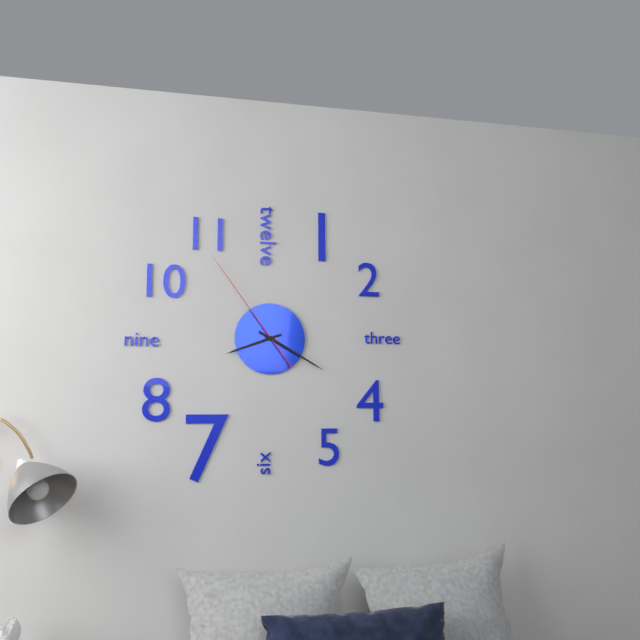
8:20:54
